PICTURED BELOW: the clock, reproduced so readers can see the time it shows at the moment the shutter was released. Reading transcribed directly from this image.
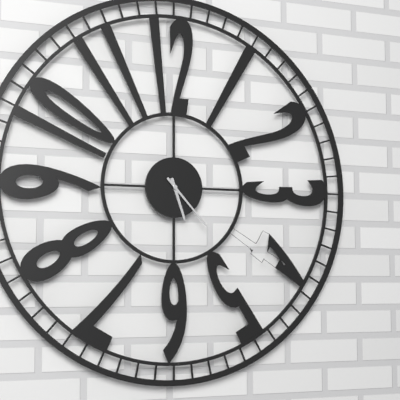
5:23
